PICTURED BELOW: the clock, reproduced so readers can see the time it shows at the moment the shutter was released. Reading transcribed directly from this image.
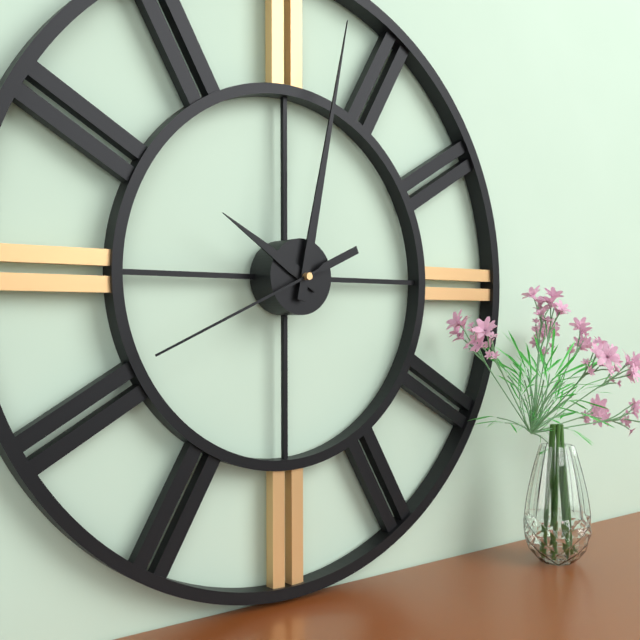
10:02:41
